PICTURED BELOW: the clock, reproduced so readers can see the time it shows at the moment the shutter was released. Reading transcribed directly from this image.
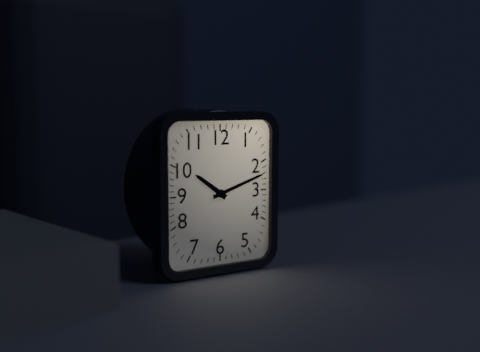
10:12
